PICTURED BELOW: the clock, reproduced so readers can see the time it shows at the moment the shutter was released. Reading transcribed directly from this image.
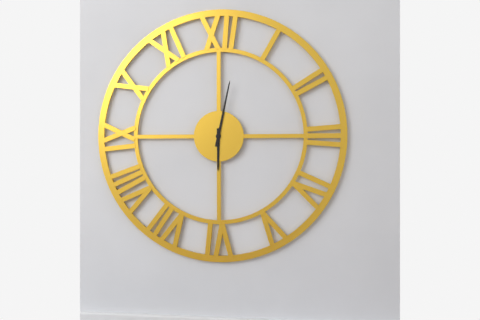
6:02
